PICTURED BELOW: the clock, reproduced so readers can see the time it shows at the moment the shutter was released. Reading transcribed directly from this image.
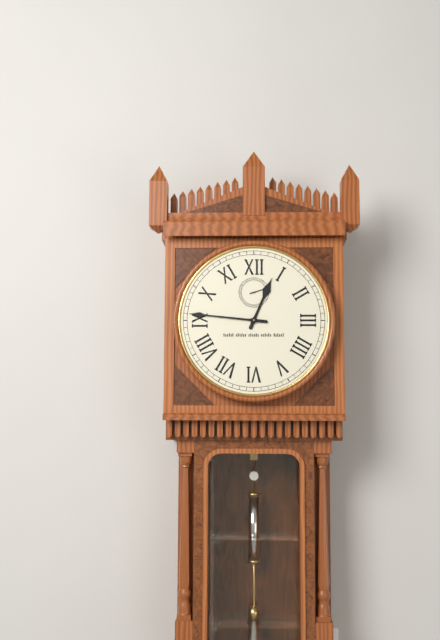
12:46
